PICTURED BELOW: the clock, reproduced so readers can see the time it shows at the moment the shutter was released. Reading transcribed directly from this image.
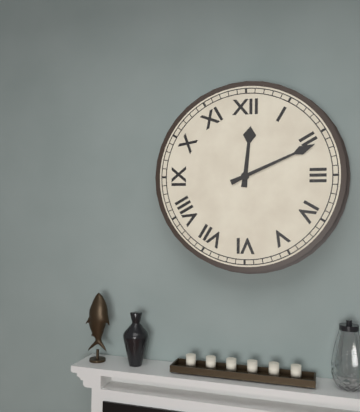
12:11
